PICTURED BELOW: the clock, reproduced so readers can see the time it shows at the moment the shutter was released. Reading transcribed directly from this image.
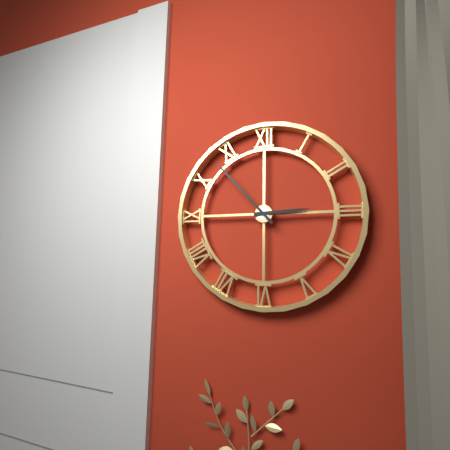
2:53
